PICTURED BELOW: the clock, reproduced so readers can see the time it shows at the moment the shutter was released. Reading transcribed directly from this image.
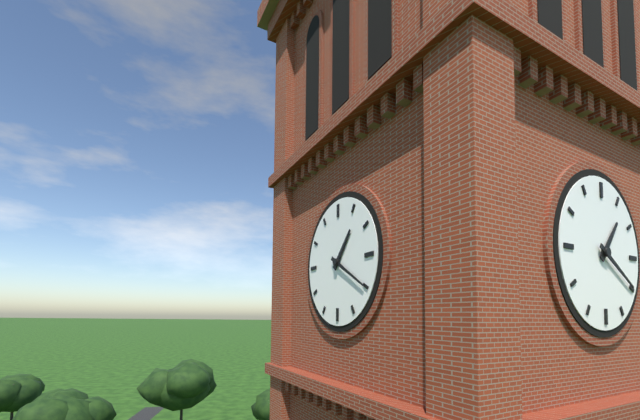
1:20
